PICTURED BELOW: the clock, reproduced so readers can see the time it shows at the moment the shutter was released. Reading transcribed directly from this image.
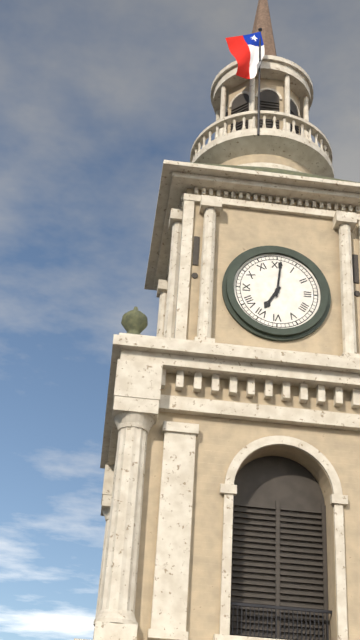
7:01
